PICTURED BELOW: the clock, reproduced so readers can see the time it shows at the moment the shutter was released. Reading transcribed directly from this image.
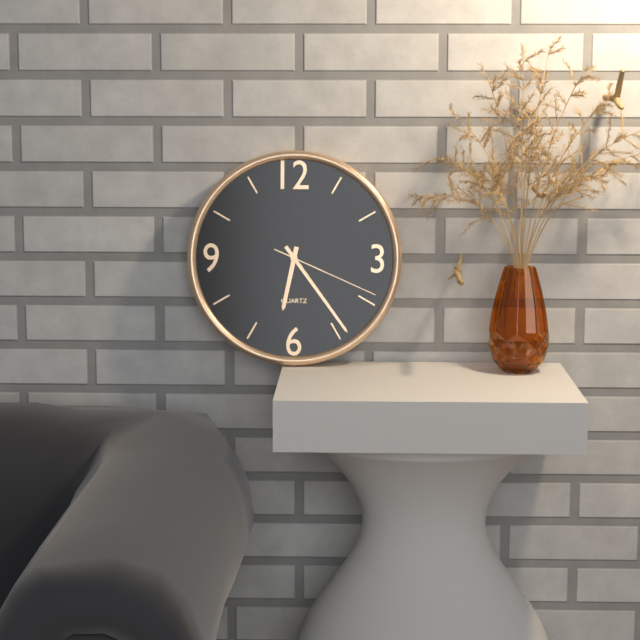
6:24:19
